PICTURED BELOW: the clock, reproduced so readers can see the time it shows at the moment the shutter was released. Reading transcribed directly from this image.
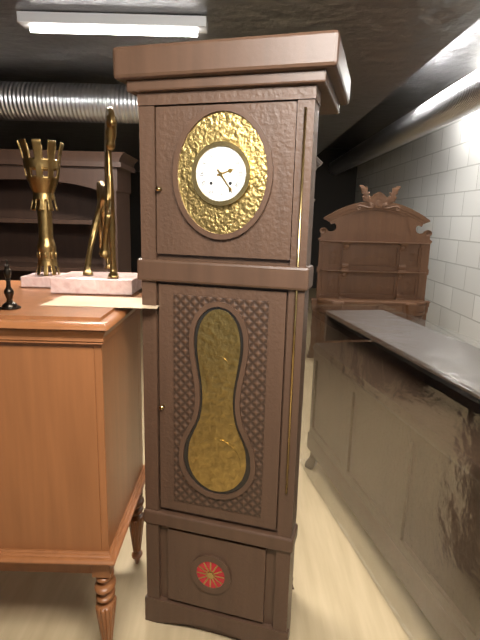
2:24
